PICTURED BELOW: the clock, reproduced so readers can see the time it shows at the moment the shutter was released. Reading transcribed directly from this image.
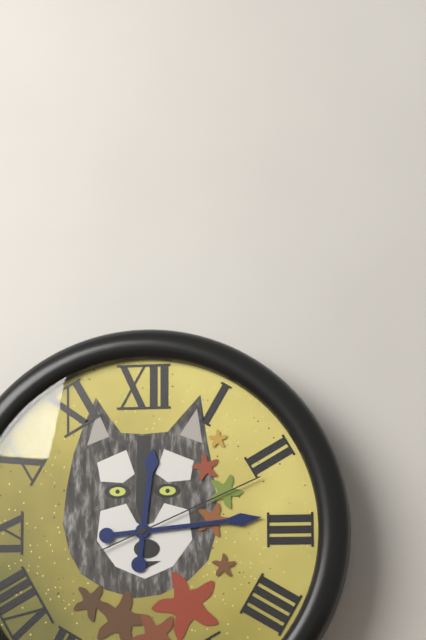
12:14:11
